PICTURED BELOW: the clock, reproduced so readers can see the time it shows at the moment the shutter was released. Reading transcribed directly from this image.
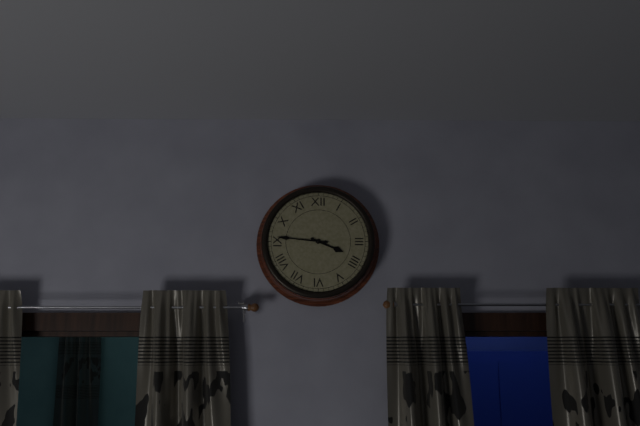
3:46
